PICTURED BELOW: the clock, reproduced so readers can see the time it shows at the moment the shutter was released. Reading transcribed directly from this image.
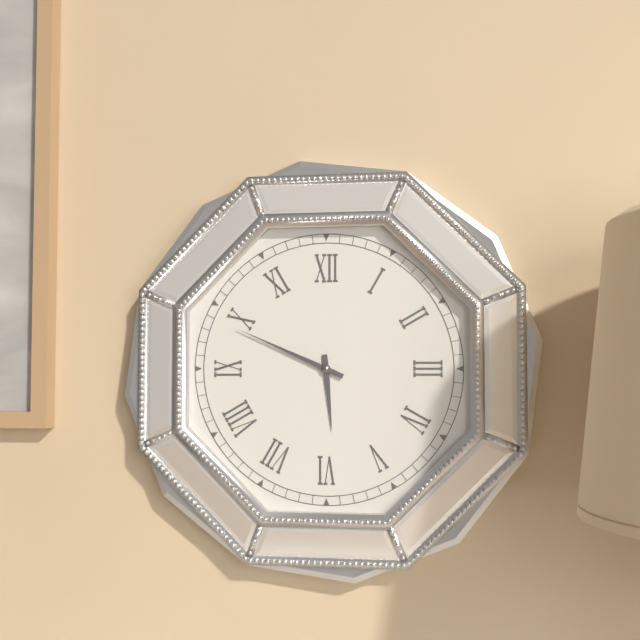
5:49
